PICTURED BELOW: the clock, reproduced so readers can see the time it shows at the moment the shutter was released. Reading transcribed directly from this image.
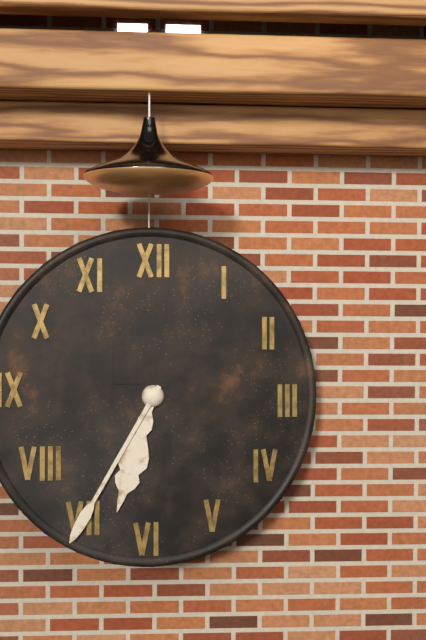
6:35
